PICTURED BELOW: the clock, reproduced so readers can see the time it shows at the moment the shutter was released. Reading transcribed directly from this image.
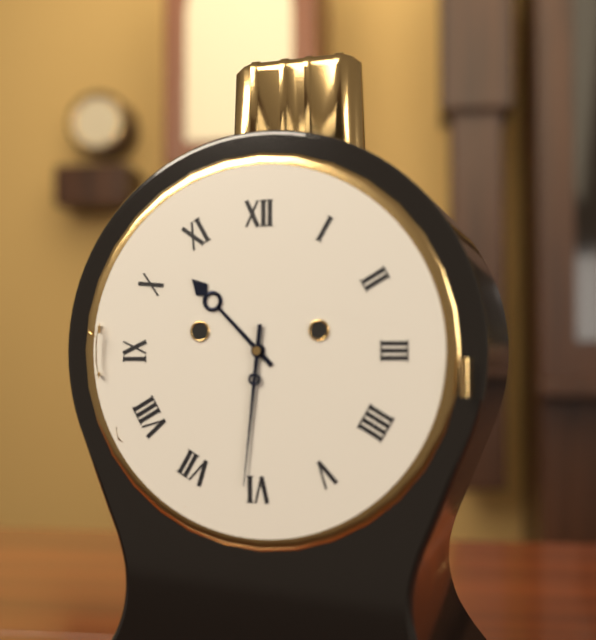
10:31
